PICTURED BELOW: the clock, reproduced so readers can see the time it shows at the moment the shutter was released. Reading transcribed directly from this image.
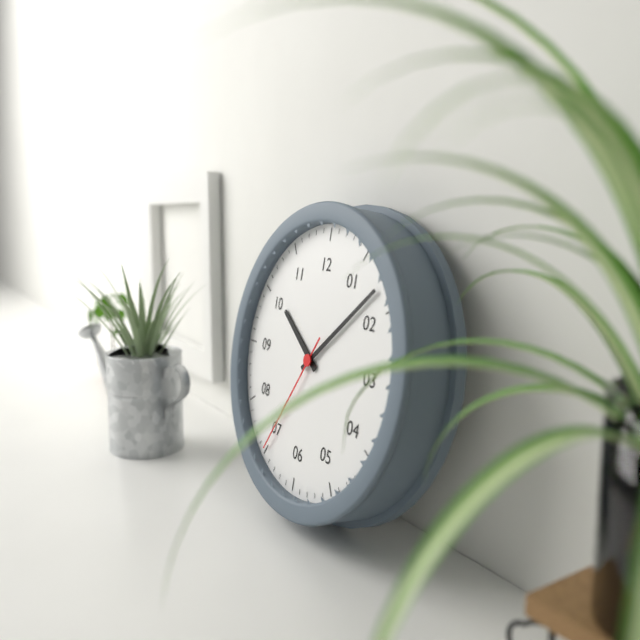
10:08:35
